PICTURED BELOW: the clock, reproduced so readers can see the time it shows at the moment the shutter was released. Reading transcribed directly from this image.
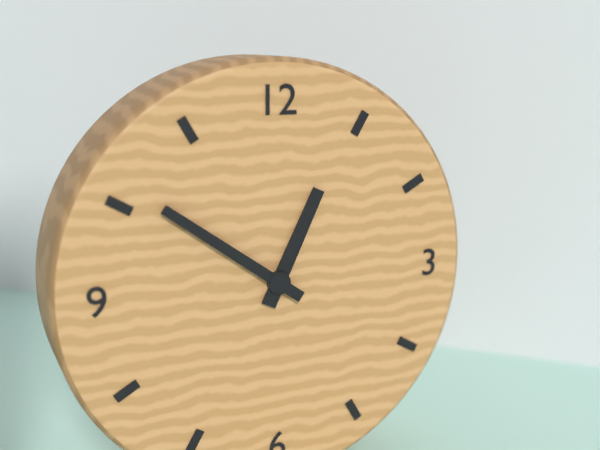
12:51
